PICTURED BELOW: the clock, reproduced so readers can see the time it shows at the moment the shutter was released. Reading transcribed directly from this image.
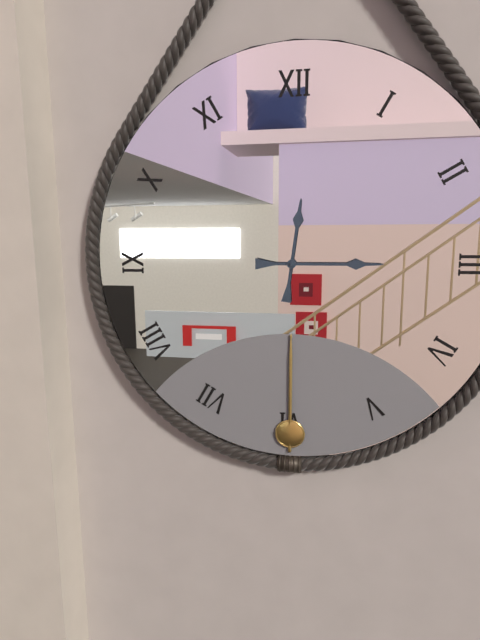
12:15
